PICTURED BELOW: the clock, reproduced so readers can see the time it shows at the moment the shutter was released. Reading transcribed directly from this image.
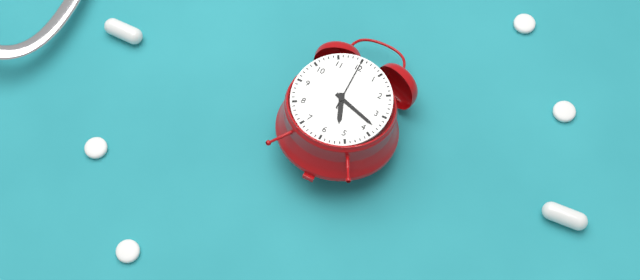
5:18:00
